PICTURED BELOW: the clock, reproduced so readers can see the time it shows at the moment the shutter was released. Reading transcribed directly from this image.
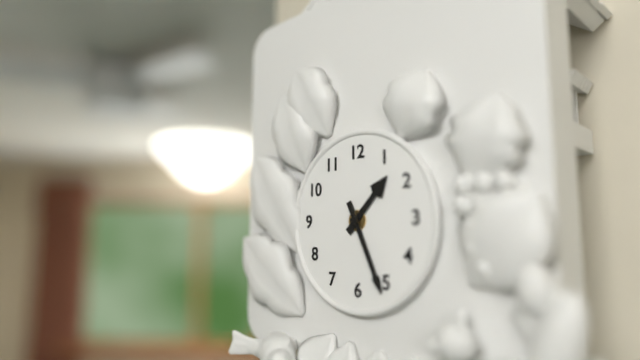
1:26
